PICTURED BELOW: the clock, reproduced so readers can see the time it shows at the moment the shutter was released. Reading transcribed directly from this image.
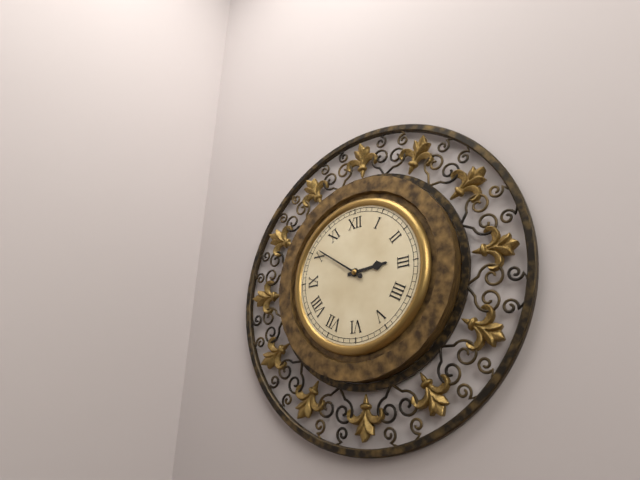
2:51
